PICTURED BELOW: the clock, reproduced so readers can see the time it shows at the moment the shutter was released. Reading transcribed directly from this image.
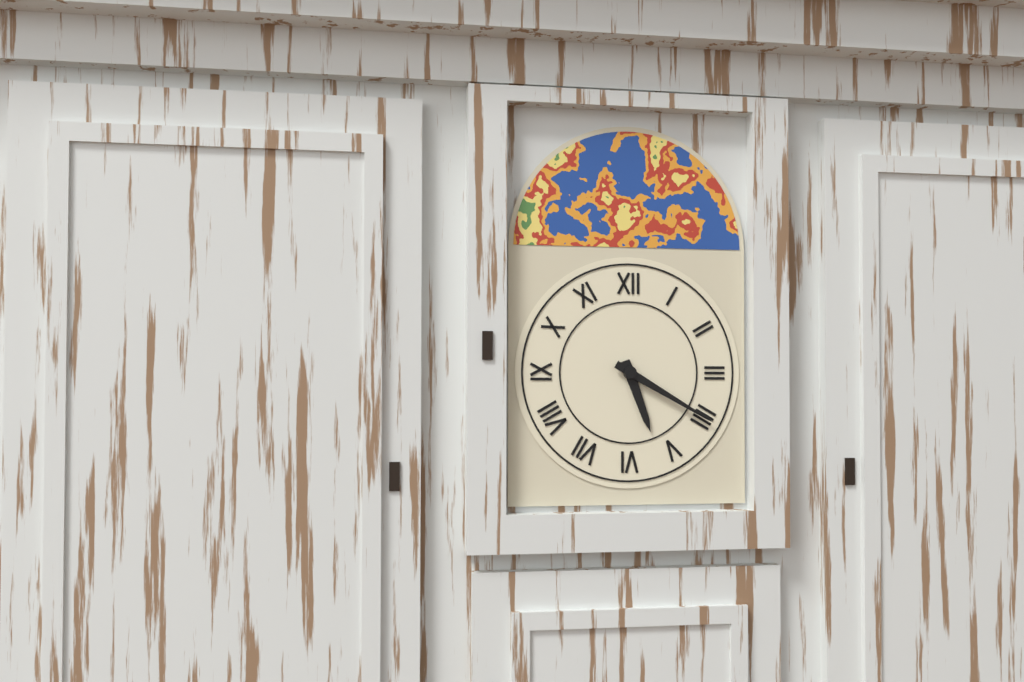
5:20
